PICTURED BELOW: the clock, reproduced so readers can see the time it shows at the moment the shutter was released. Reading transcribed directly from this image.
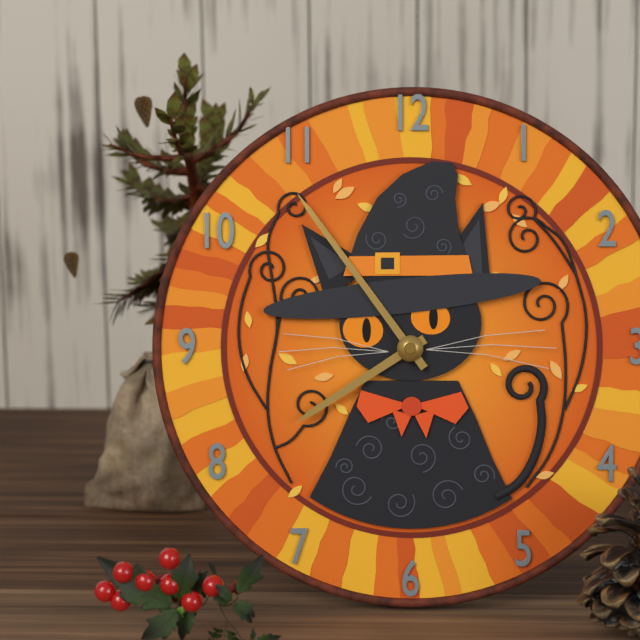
7:54
